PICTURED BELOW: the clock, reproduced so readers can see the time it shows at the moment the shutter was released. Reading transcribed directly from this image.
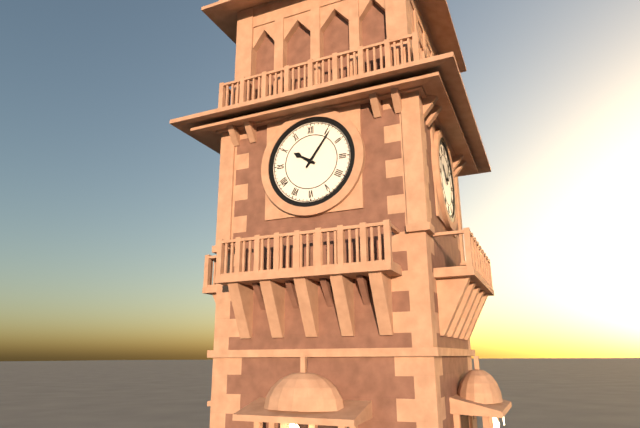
10:06
